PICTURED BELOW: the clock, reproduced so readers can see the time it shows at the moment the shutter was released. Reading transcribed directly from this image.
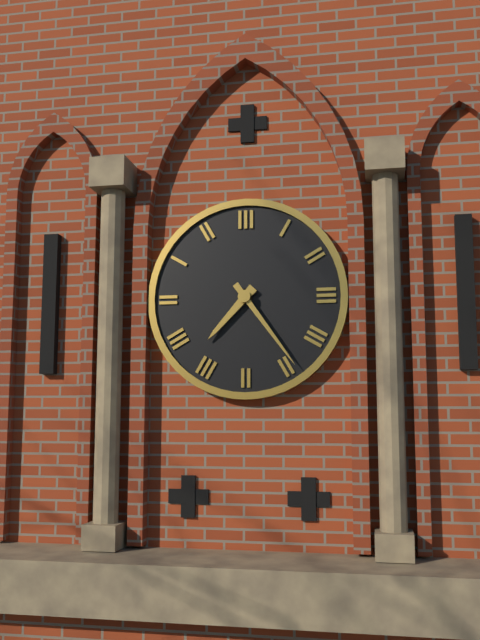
7:24
